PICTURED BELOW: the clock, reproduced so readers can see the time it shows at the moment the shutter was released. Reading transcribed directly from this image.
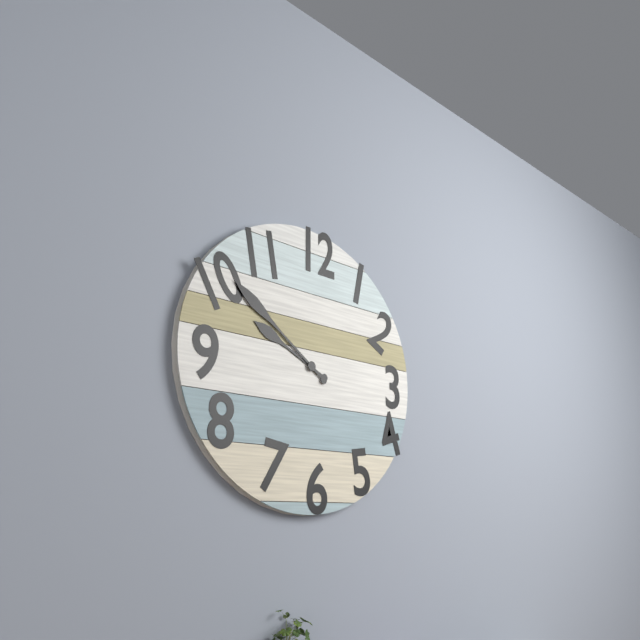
9:51
